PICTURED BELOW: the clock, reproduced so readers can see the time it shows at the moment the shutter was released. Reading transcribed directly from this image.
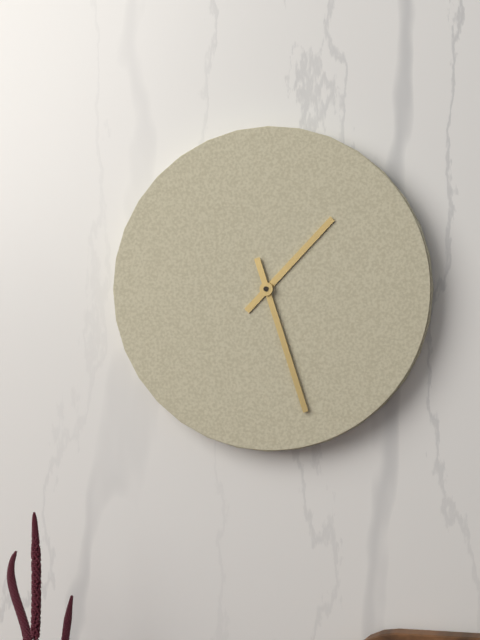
1:27
